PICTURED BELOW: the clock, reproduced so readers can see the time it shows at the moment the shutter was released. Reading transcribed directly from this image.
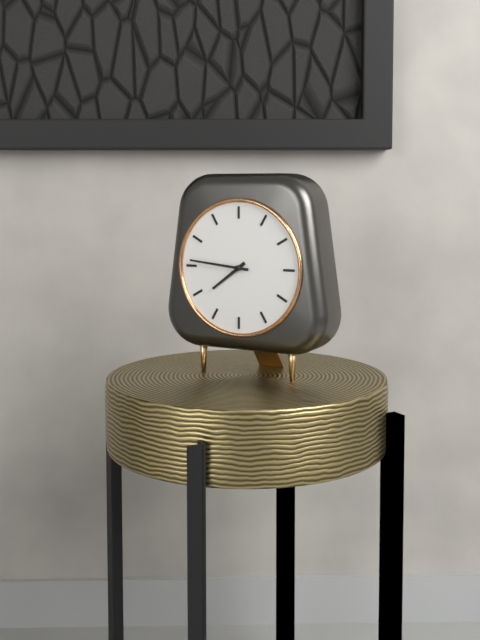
7:46
